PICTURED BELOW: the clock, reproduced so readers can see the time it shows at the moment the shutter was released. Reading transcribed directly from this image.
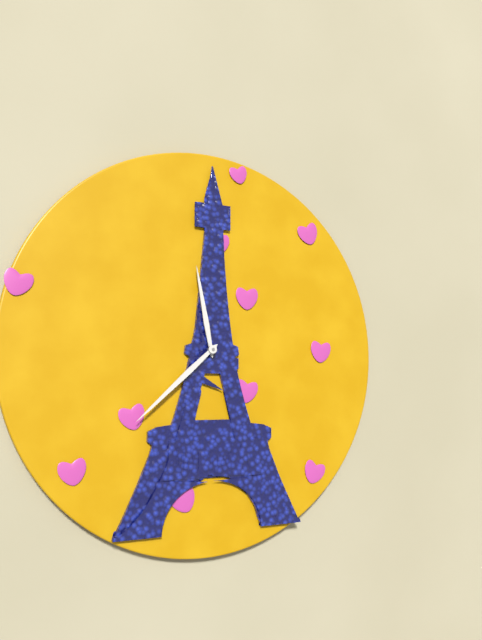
11:38
